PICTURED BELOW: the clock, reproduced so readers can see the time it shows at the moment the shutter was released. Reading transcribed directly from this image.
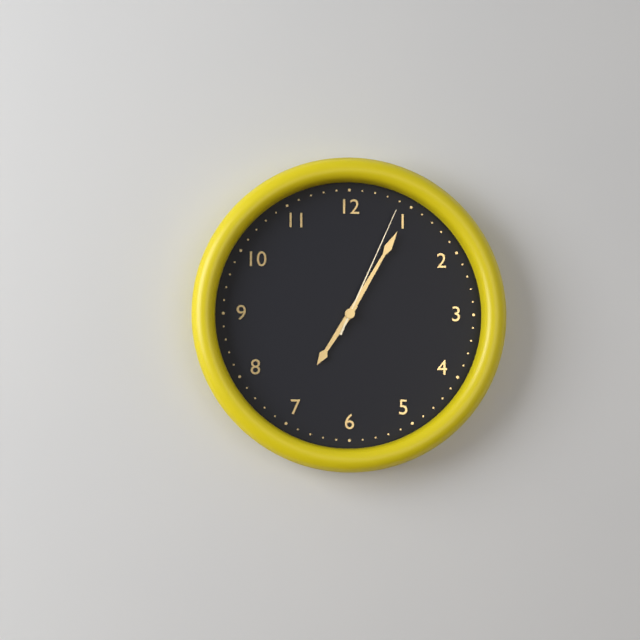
7:05:04
